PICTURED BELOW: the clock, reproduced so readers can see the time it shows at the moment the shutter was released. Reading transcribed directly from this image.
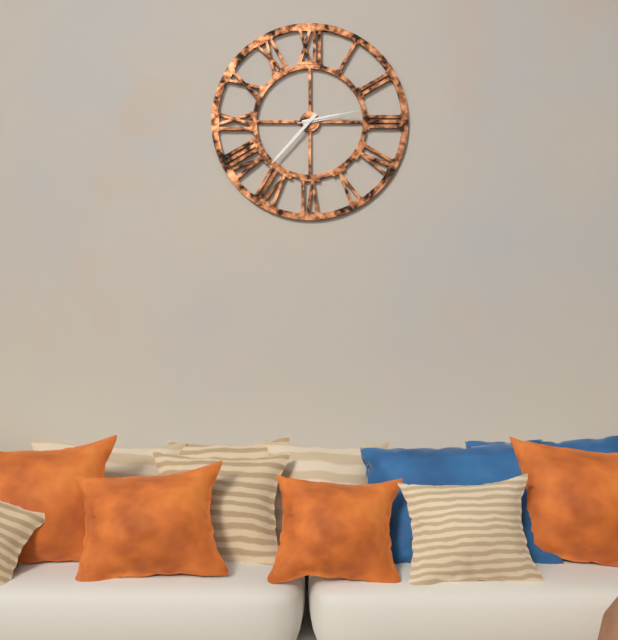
2:37:13
